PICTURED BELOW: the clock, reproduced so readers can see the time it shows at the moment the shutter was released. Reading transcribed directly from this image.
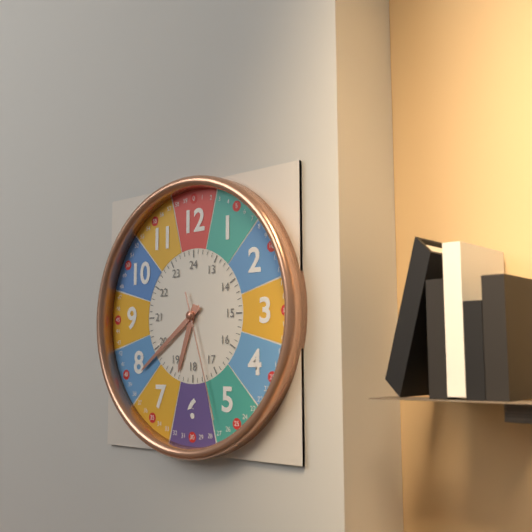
6:39:27
